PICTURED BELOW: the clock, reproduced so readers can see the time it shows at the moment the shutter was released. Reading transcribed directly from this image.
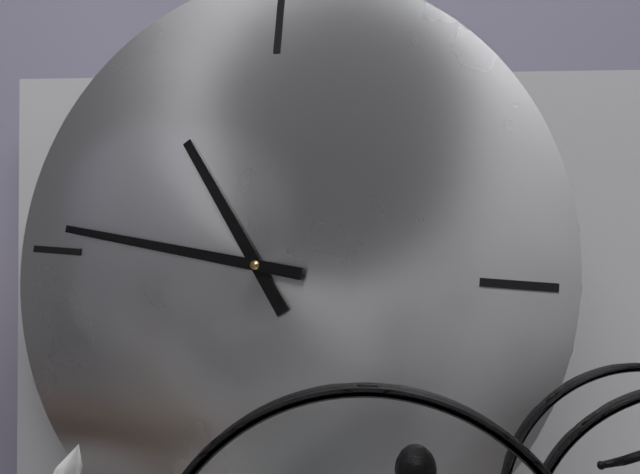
10:46
